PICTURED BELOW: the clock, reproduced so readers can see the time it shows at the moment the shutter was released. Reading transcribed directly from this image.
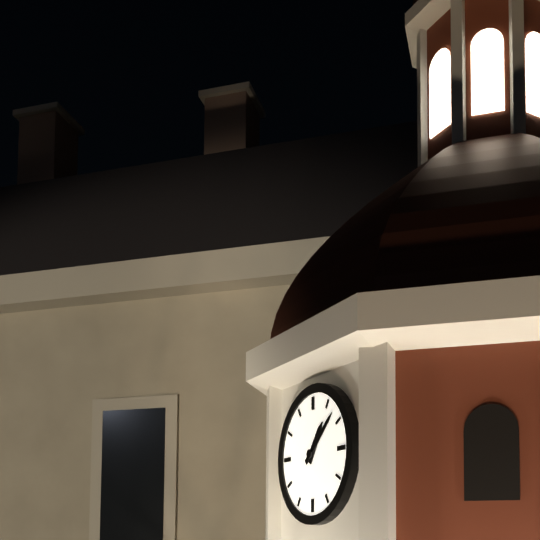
1:08
